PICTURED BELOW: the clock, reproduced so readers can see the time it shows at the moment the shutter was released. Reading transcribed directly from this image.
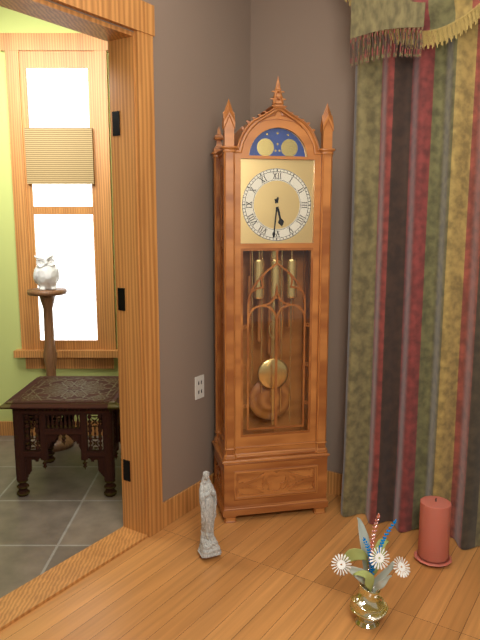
5:31
